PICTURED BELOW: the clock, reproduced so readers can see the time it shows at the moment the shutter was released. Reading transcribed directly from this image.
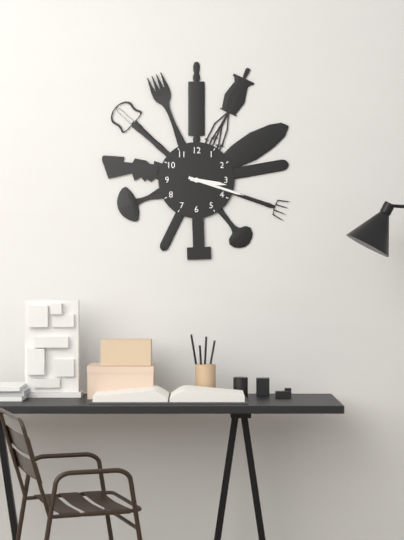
3:18
